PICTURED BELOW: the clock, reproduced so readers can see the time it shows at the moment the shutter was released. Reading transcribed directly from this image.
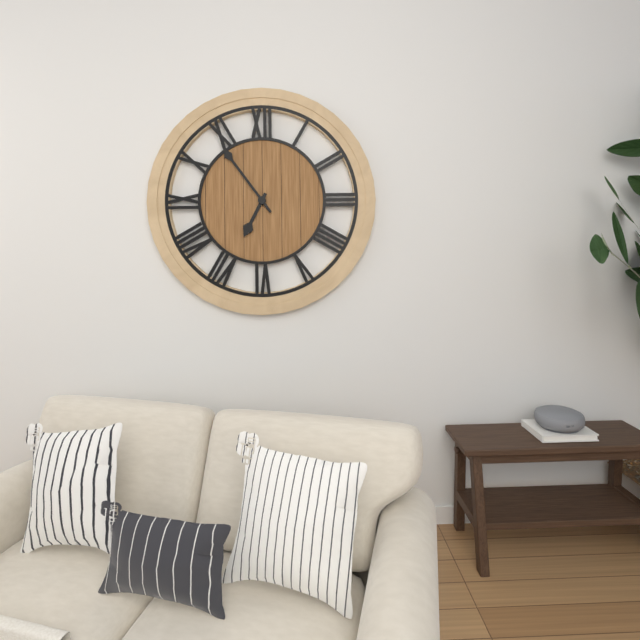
6:54
